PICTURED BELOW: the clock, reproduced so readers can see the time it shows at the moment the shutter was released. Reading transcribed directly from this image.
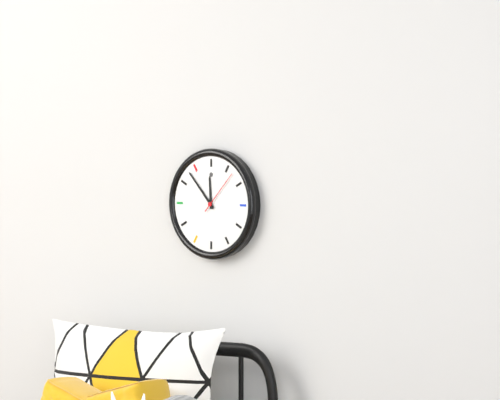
11:53
